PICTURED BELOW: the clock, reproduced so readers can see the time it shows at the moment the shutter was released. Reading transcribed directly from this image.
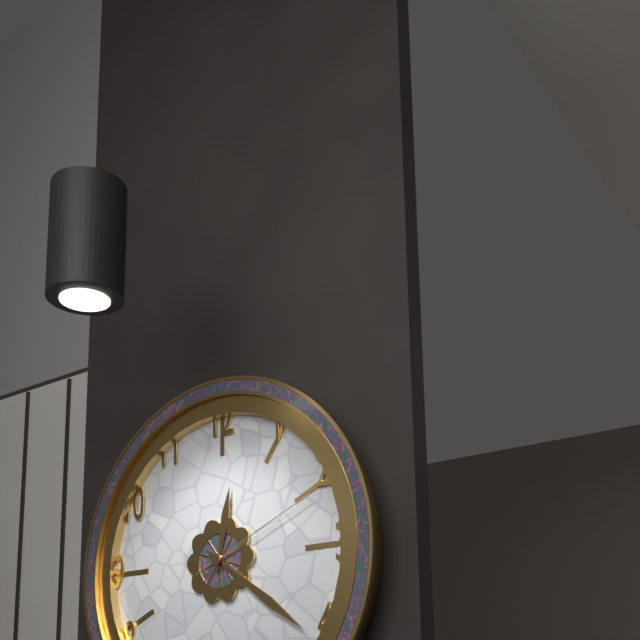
12:21:11
